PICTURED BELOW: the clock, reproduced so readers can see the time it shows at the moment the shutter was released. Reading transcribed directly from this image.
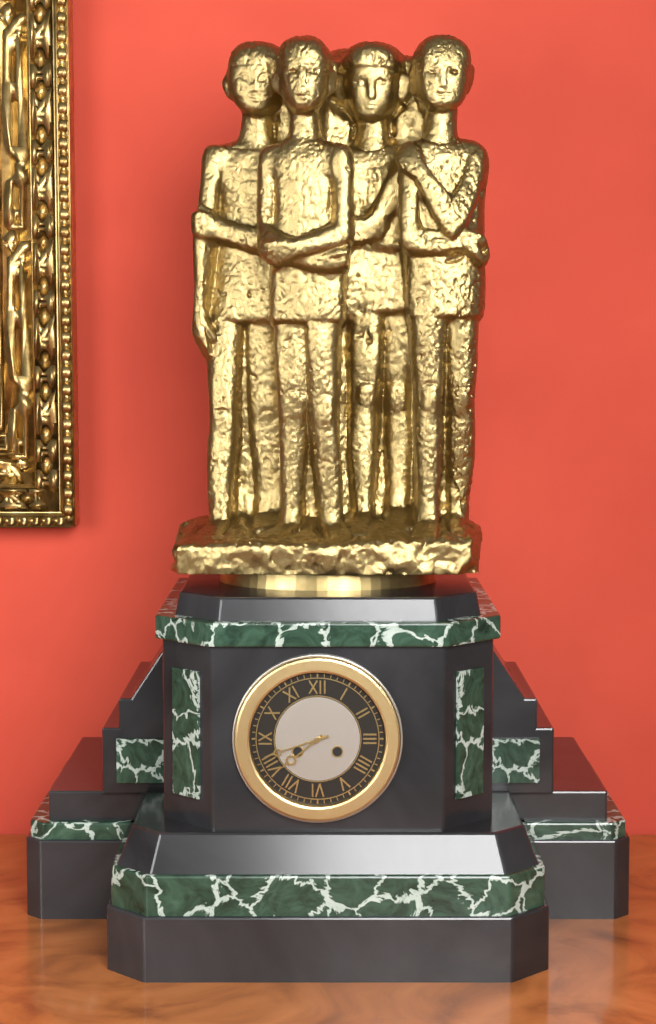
7:42
